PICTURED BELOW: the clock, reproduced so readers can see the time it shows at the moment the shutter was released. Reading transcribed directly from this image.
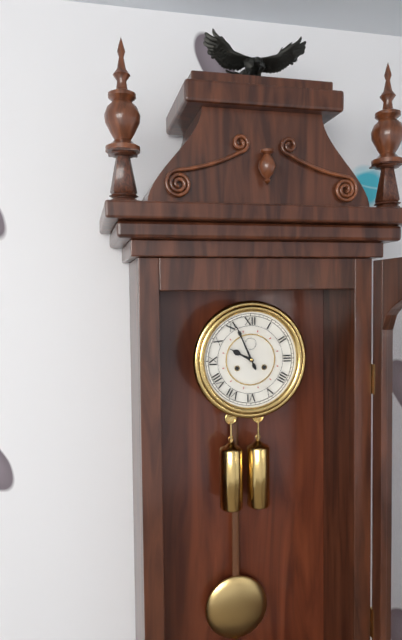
9:56
